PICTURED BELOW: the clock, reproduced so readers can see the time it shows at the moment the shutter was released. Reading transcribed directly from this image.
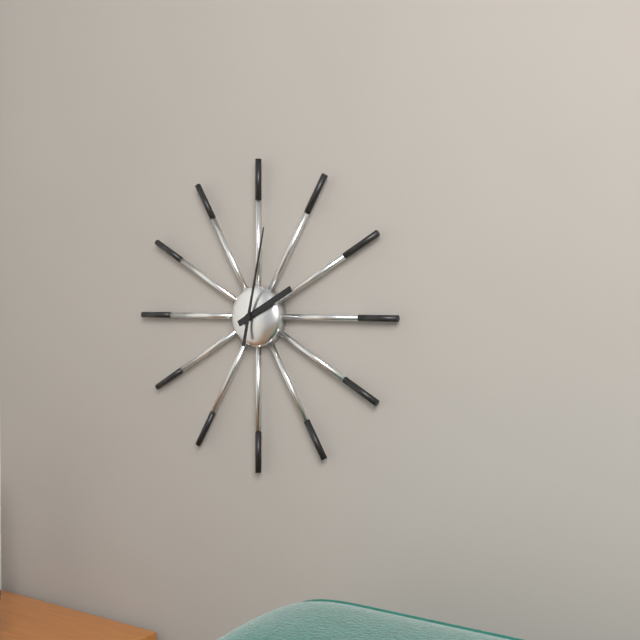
2:02
